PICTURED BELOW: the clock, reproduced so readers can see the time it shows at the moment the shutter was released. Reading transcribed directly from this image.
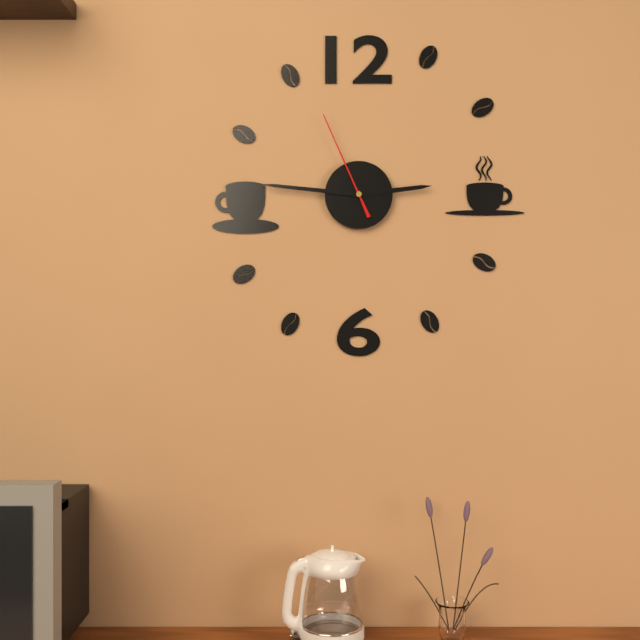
2:46:56
